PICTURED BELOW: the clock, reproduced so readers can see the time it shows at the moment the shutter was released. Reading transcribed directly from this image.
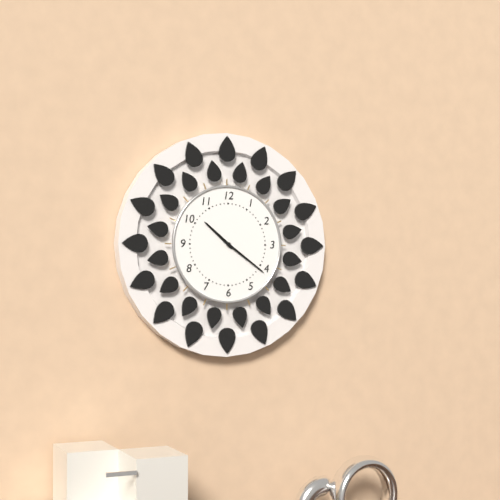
10:21
